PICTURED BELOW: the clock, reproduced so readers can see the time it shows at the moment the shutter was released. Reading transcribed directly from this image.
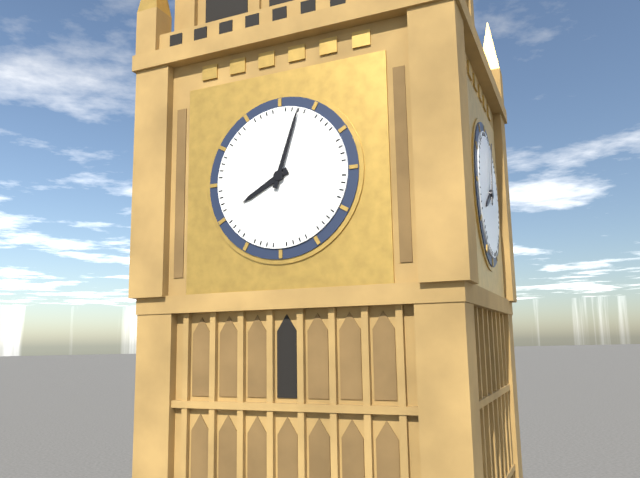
8:03
